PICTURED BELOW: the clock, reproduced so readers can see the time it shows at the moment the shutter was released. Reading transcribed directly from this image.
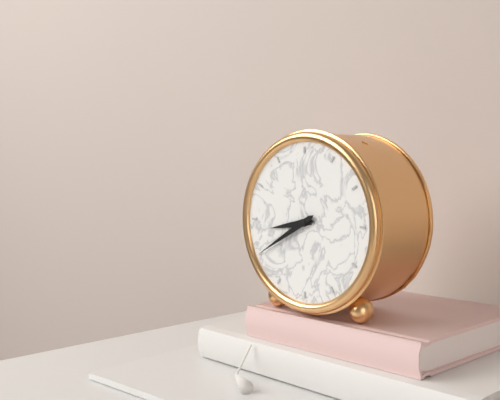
8:40
